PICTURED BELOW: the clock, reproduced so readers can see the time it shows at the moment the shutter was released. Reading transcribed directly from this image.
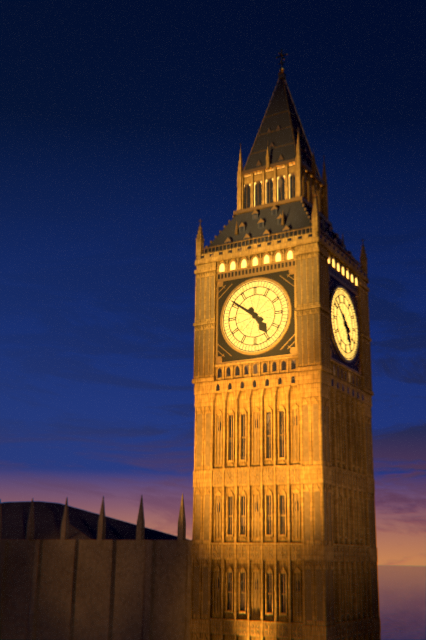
4:51
